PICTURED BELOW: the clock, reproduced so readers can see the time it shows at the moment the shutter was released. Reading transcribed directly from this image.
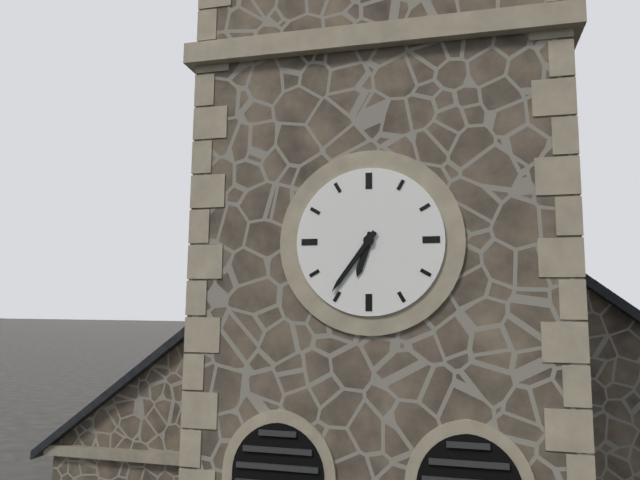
6:36
